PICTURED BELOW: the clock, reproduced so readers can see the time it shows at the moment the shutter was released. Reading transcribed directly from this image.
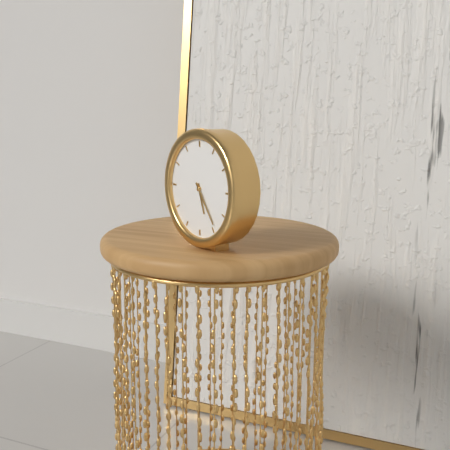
5:24
